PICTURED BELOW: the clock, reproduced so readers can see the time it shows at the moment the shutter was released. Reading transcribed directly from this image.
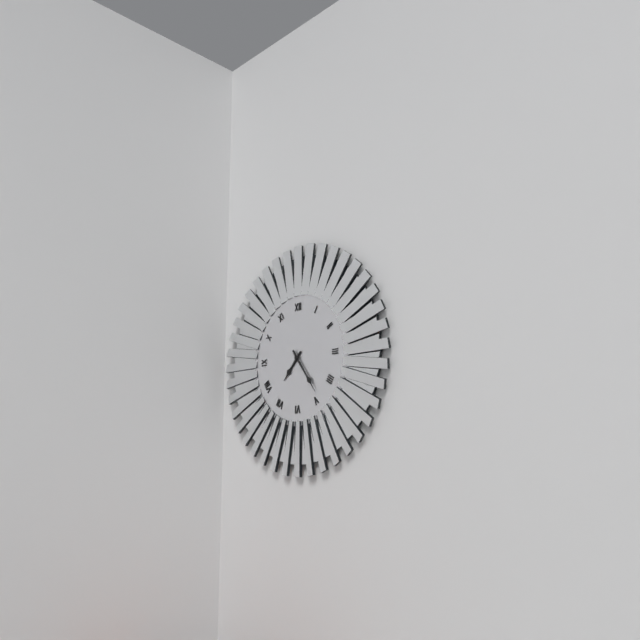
7:24
